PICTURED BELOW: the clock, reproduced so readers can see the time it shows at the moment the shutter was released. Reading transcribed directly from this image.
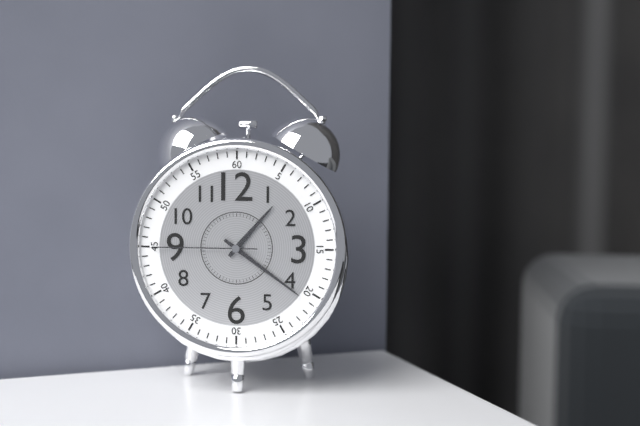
1:21:45
